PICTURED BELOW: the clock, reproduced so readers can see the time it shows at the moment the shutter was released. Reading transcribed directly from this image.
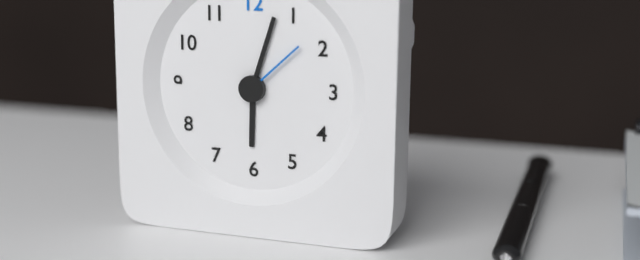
6:03:08
